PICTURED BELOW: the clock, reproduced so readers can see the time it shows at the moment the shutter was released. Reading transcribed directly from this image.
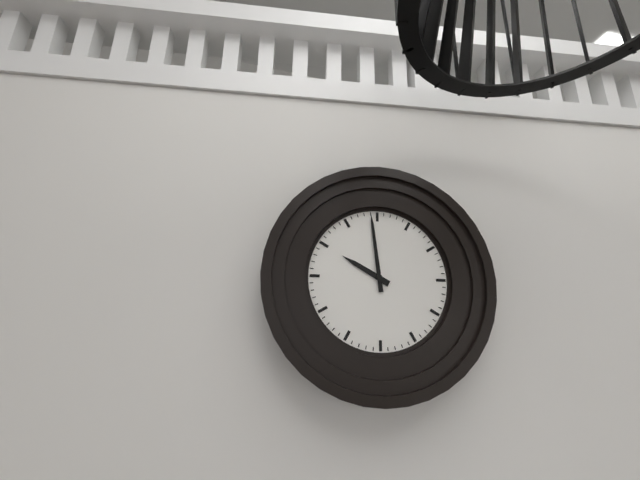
9:59
